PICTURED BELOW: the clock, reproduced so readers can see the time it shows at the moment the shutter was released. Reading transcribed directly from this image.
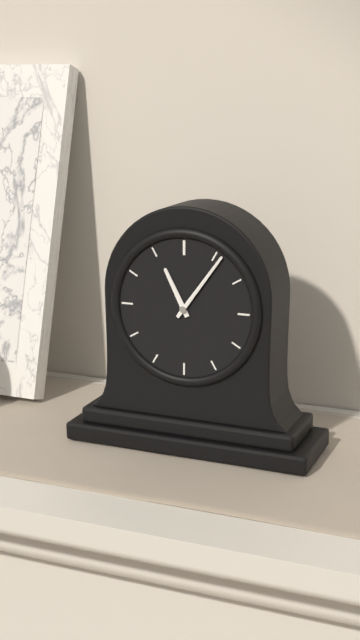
11:06
